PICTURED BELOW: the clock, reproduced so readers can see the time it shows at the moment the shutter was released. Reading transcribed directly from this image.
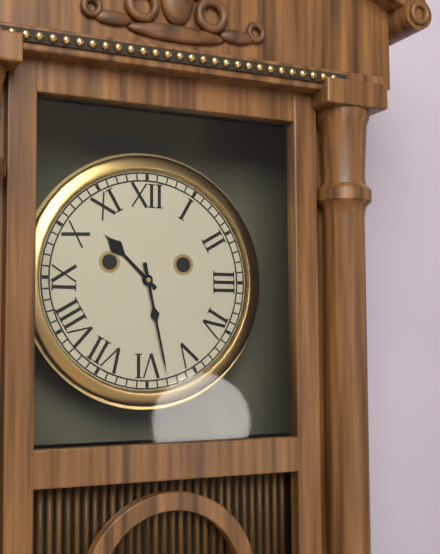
10:28
